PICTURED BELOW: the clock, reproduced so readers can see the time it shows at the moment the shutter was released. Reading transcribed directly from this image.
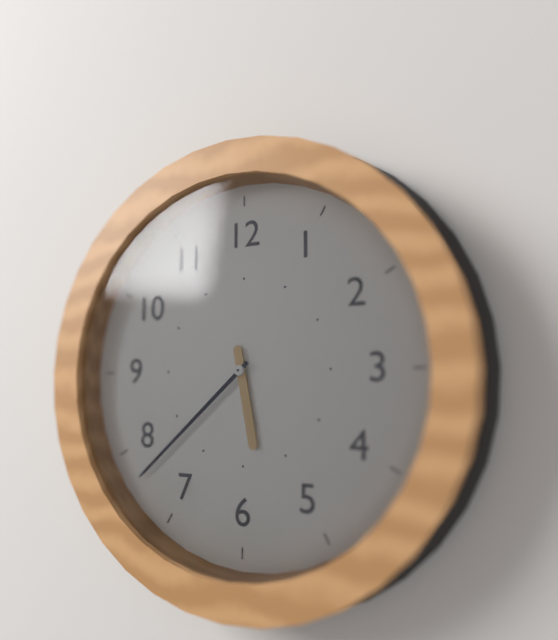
5:38
